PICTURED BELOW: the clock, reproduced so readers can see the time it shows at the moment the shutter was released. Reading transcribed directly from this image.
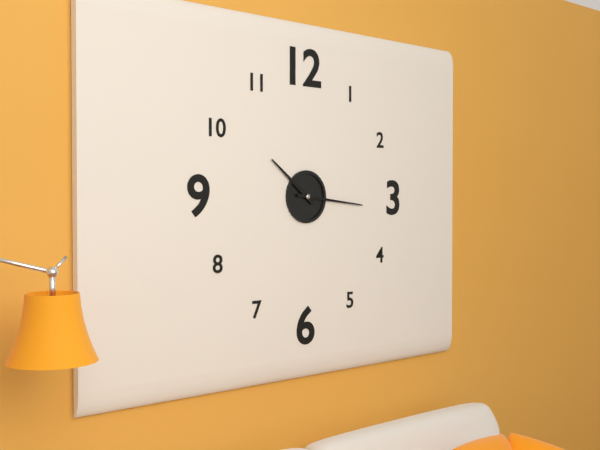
10:16
